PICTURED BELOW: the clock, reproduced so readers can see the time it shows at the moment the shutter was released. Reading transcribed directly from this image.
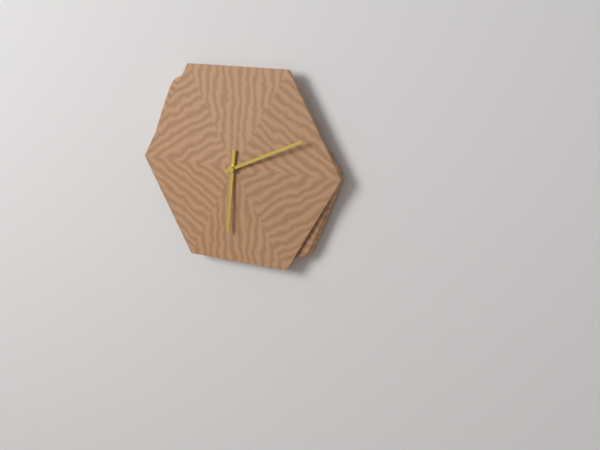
6:11
